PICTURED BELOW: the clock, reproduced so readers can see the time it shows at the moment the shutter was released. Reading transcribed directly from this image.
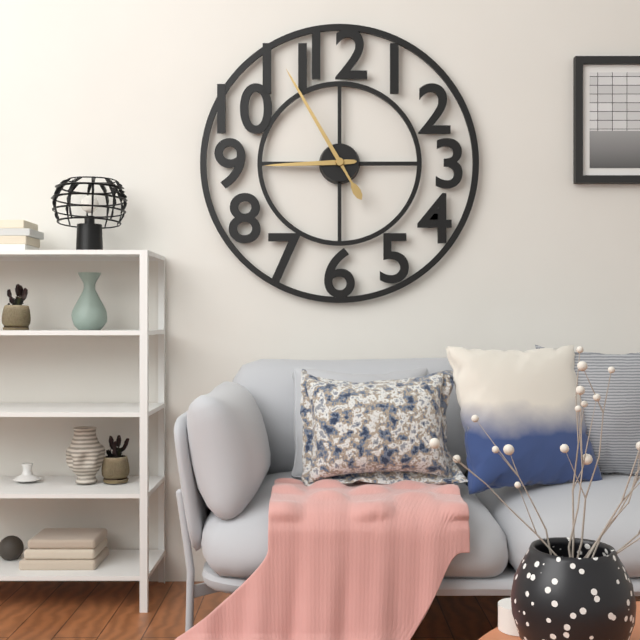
8:55
